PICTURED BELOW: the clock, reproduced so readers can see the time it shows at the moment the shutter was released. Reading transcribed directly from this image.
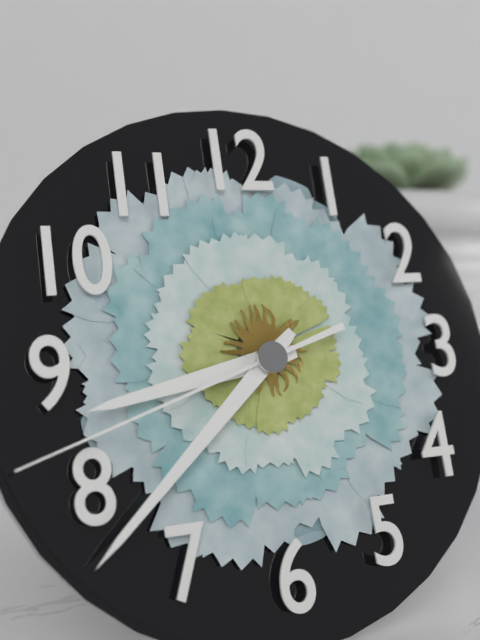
8:38:42
